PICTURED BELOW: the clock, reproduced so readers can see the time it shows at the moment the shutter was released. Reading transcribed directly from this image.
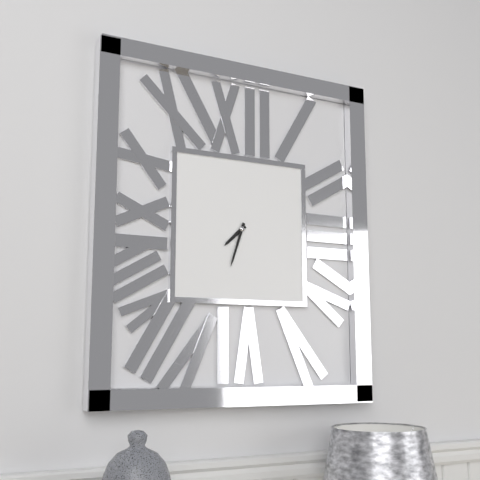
7:33
